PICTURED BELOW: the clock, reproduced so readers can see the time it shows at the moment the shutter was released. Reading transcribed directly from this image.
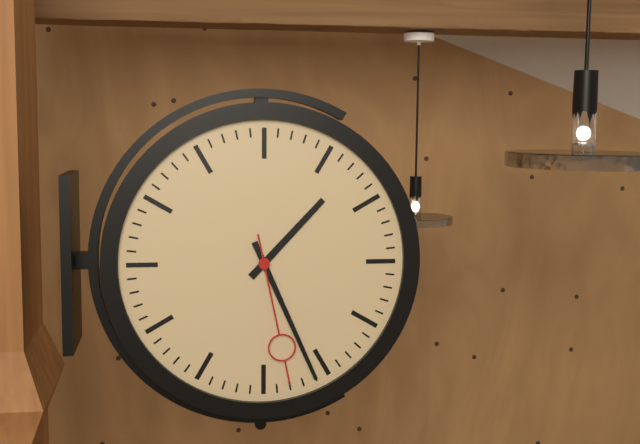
1:26:28
